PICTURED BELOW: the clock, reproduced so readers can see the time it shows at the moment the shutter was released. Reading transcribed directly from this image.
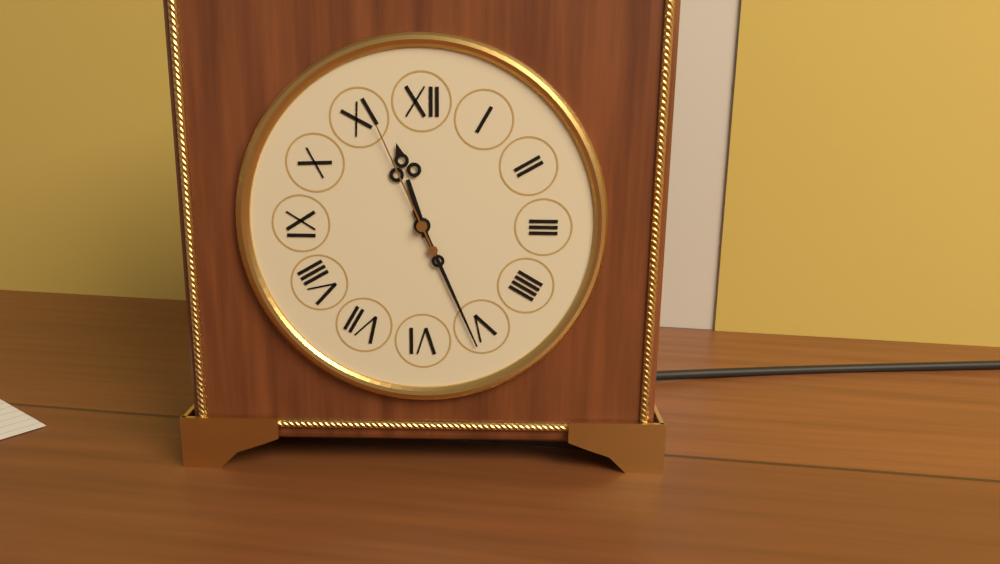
11:26:56
